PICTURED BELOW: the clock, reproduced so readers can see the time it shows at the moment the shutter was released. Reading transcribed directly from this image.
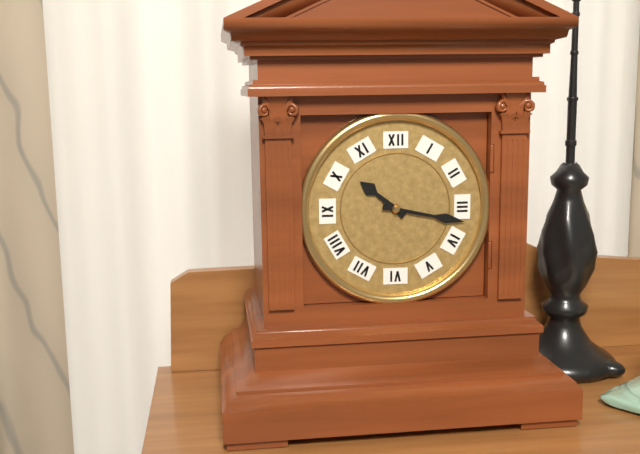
10:17
